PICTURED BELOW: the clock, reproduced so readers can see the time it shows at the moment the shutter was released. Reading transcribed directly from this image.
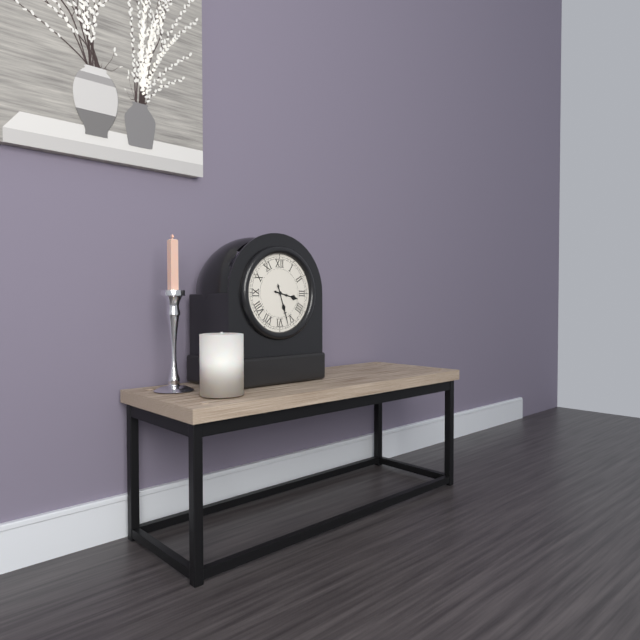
3:27
